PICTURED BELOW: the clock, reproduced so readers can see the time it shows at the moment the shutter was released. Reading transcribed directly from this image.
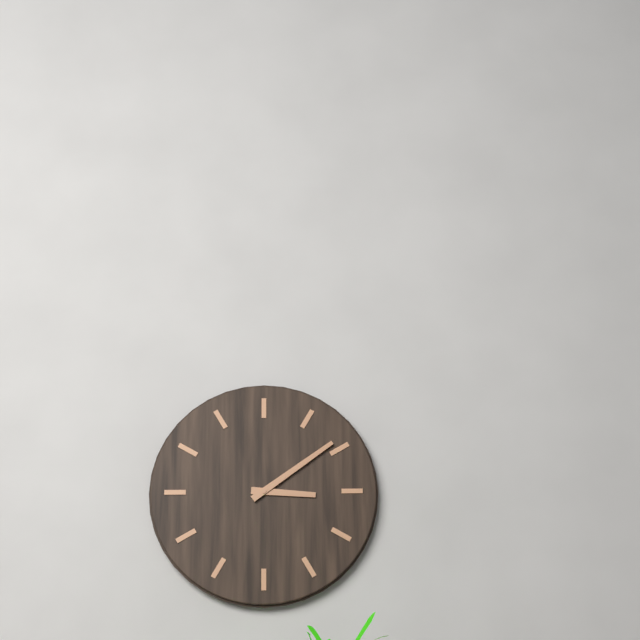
3:09
